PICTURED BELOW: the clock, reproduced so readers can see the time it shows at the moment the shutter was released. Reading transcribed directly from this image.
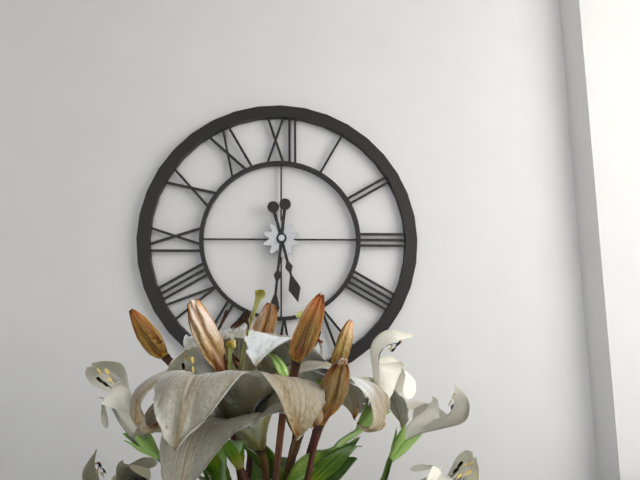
5:31
